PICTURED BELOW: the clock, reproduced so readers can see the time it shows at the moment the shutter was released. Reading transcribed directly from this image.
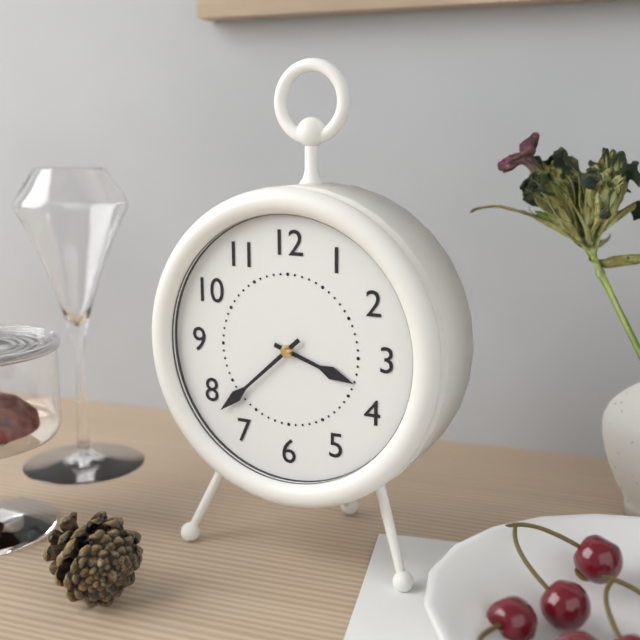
3:38
